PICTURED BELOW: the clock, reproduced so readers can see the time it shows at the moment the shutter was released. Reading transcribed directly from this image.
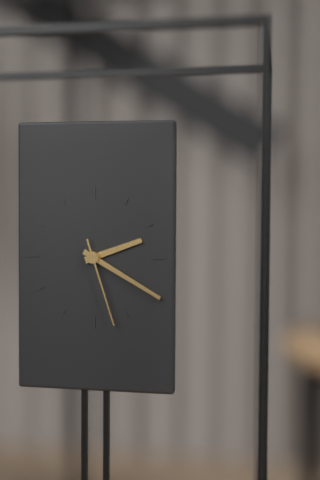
2:20:27
